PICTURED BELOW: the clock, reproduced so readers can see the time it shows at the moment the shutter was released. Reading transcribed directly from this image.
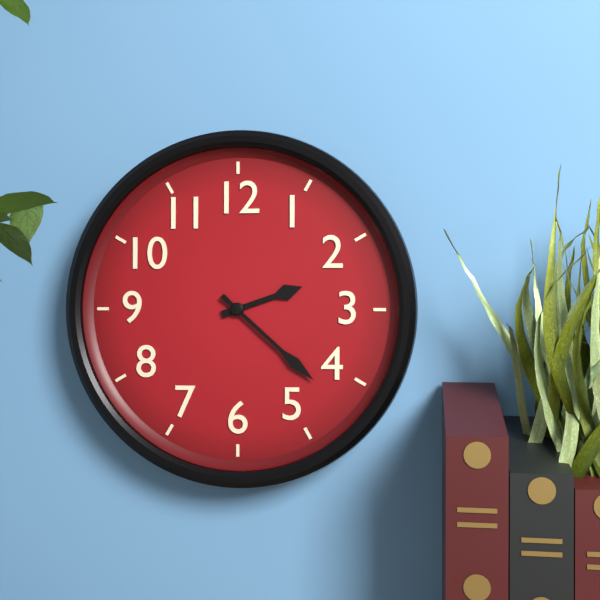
2:22
